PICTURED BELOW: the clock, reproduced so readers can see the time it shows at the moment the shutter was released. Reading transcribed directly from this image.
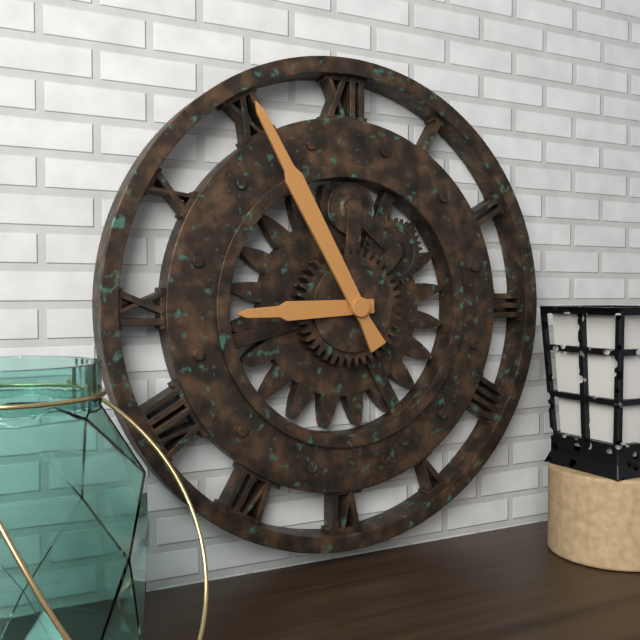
8:55
